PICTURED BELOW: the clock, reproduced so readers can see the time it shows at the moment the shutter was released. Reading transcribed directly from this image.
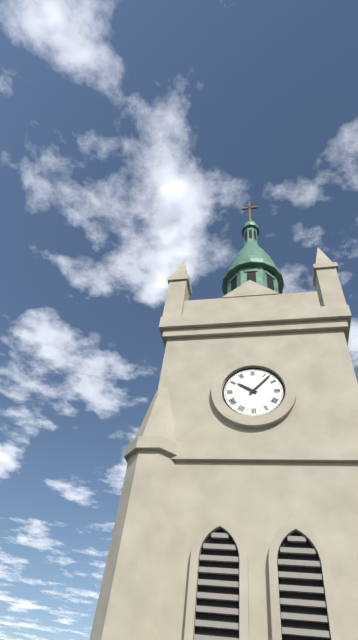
10:07
